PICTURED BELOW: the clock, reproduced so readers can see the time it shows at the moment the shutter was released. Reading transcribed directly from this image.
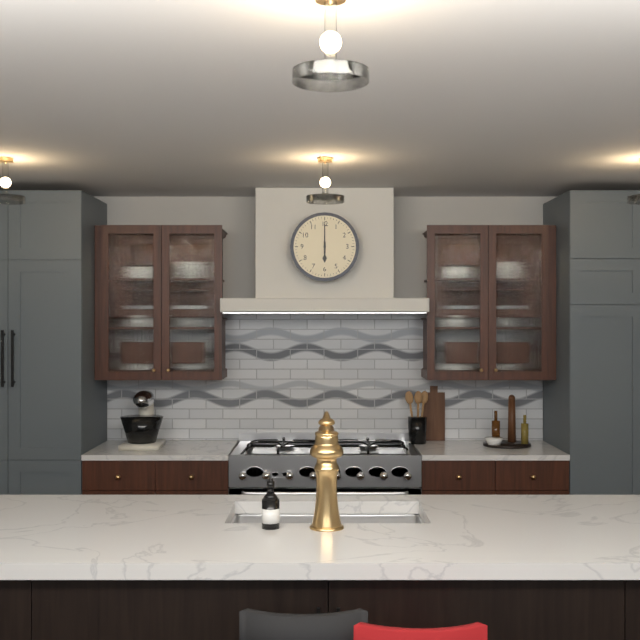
6:00
